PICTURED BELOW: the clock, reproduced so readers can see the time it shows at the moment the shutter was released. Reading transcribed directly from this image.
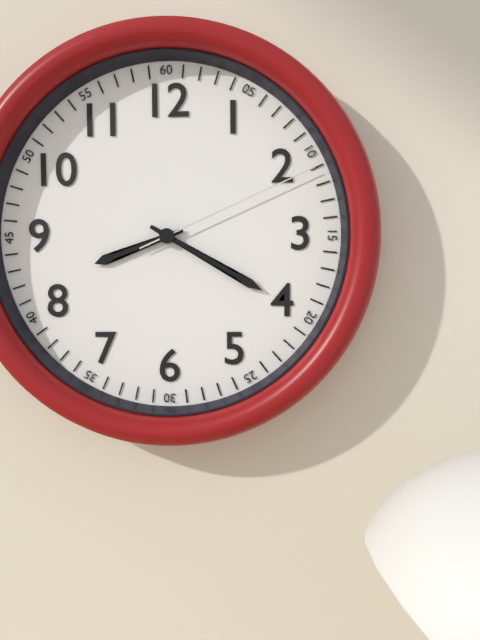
8:20:11
